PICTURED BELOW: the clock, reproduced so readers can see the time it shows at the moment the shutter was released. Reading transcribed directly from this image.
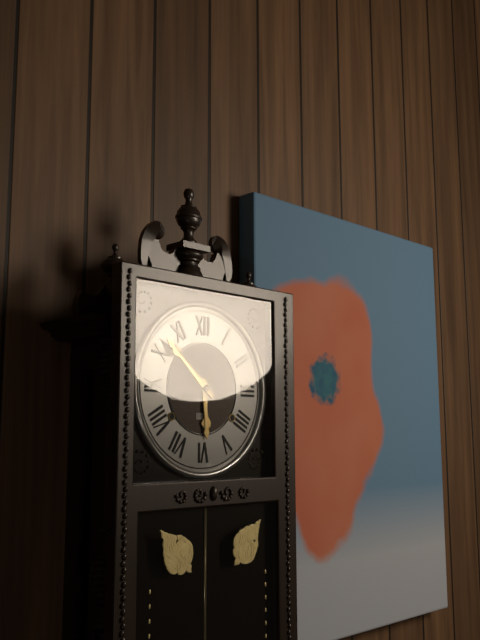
5:52
